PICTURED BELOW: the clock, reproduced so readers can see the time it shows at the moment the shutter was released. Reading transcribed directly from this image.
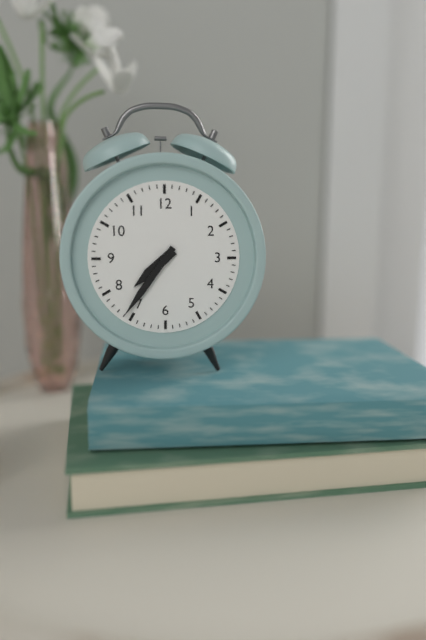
7:36
